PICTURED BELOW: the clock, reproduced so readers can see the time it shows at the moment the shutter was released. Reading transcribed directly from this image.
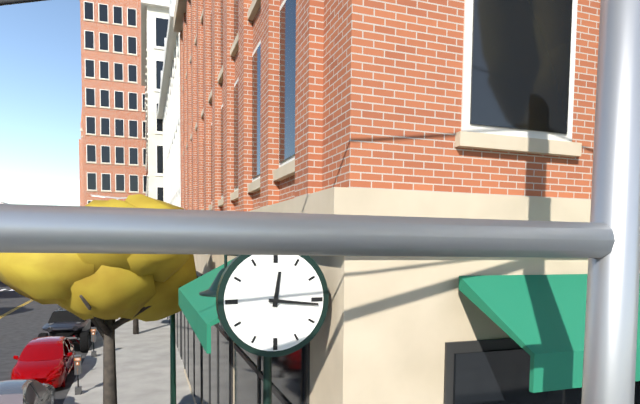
12:16
